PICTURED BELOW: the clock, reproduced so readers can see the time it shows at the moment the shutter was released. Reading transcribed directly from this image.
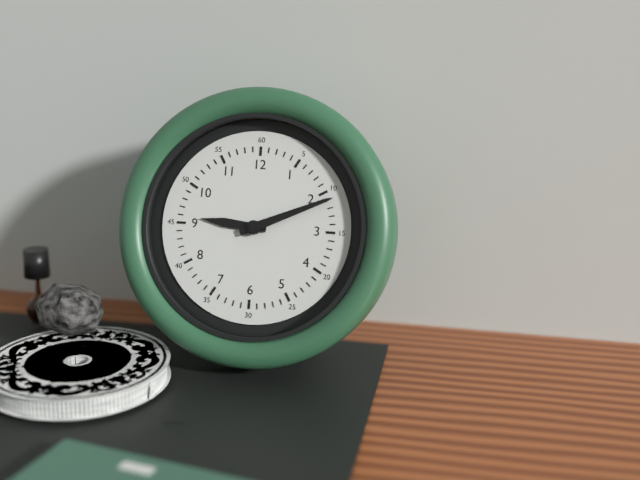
9:11
